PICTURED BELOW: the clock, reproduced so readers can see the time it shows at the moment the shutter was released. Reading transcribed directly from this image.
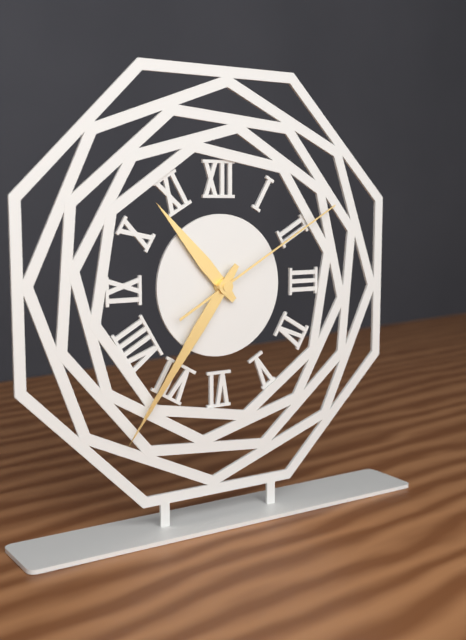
10:36:10
